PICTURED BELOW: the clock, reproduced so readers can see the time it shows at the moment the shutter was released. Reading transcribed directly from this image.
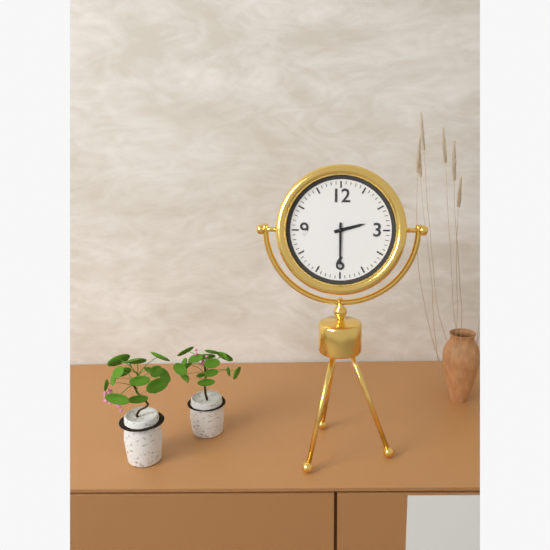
2:30
